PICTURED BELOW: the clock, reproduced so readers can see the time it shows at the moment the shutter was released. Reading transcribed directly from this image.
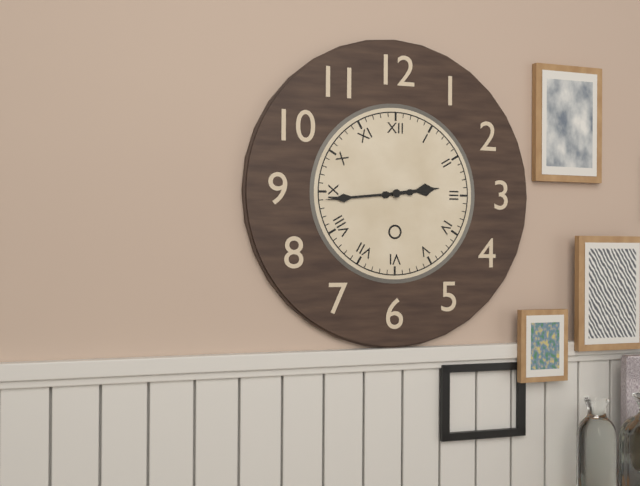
2:44
